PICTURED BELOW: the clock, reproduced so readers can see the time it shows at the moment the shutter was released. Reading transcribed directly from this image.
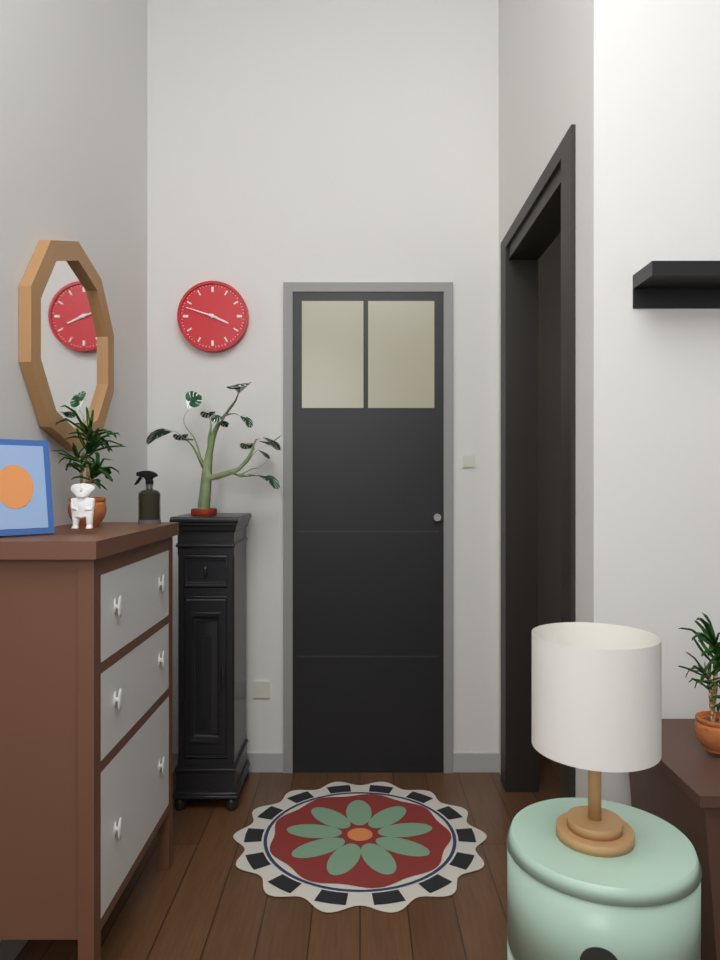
3:48
